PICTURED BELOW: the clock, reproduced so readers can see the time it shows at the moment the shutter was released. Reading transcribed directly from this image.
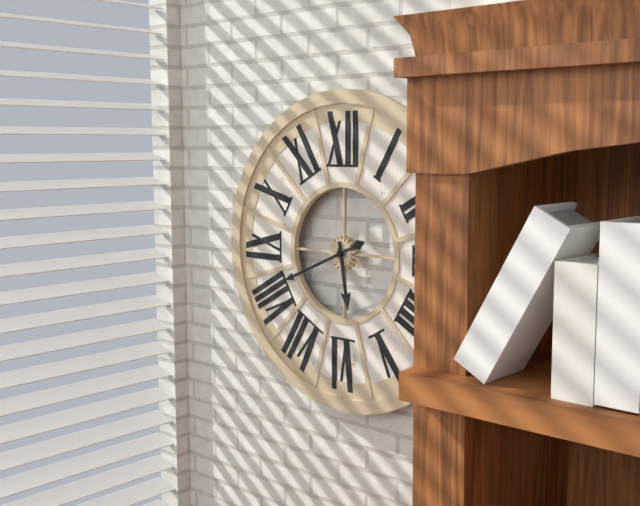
5:41
